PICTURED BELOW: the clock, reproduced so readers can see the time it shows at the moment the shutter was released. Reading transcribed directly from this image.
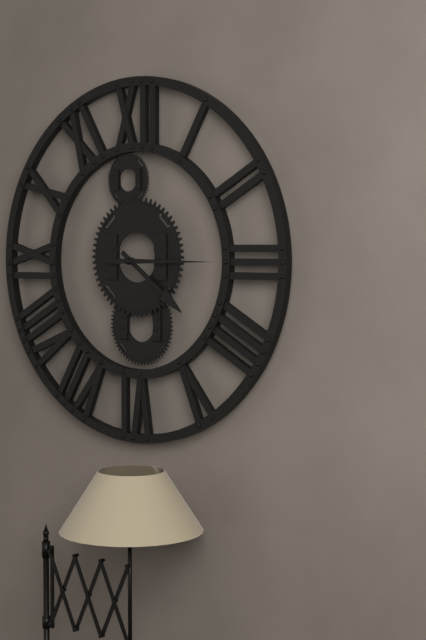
4:15
